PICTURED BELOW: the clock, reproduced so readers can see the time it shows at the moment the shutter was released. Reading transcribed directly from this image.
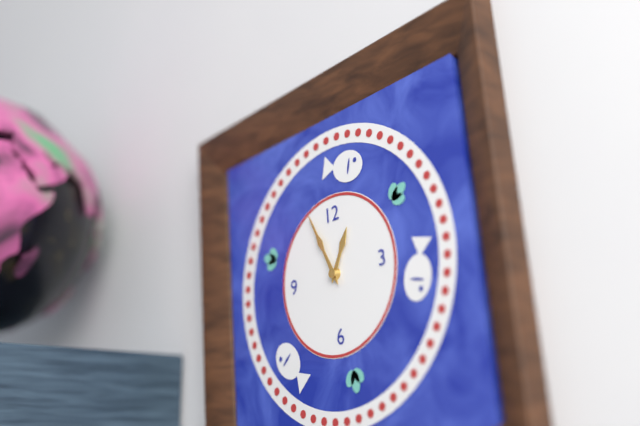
12:56
